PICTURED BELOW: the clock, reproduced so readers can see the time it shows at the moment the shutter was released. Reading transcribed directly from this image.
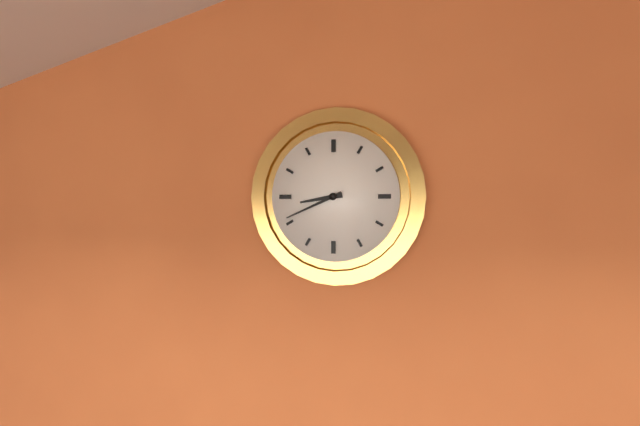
8:41
